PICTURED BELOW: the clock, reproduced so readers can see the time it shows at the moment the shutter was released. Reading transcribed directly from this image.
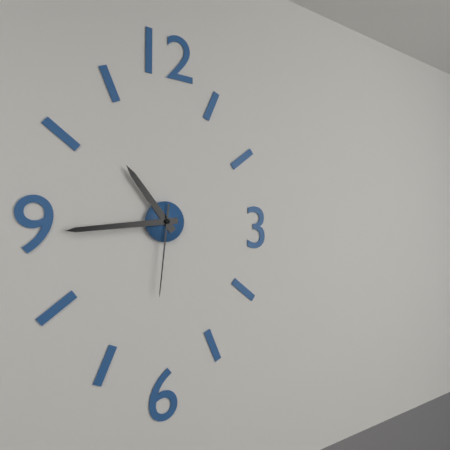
10:44:31
